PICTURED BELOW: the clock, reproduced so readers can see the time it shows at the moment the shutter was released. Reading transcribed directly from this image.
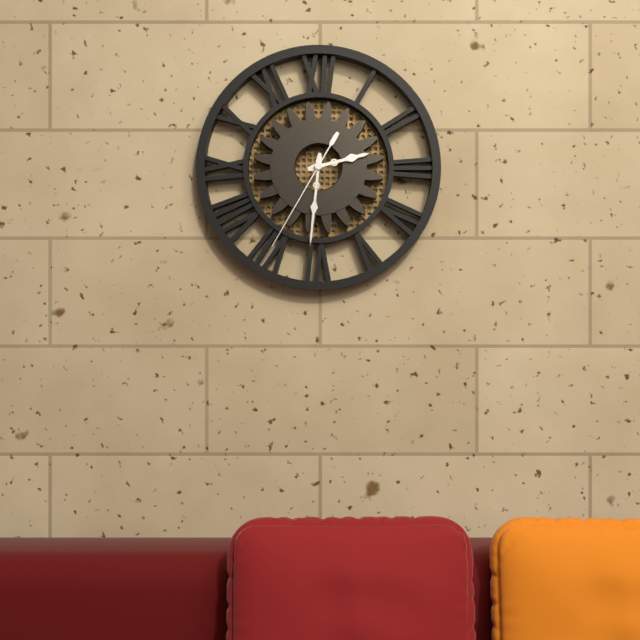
2:31:35
